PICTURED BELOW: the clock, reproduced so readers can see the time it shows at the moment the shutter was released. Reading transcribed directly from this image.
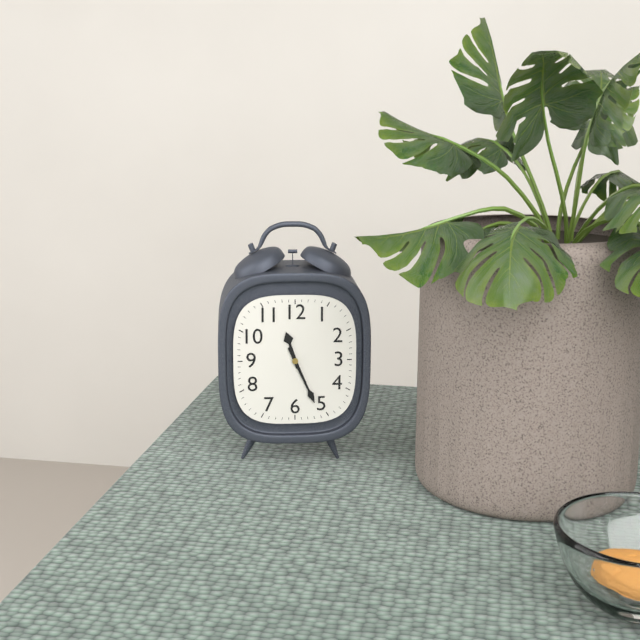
11:26
